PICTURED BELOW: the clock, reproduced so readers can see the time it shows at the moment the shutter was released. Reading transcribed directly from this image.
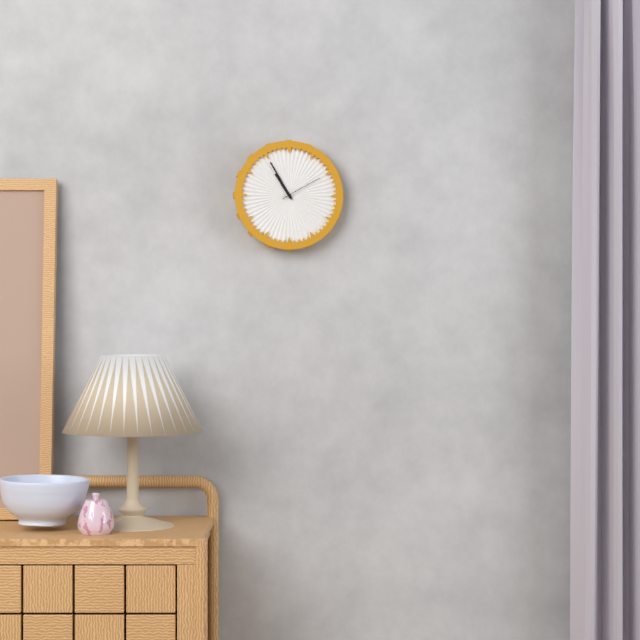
10:55
